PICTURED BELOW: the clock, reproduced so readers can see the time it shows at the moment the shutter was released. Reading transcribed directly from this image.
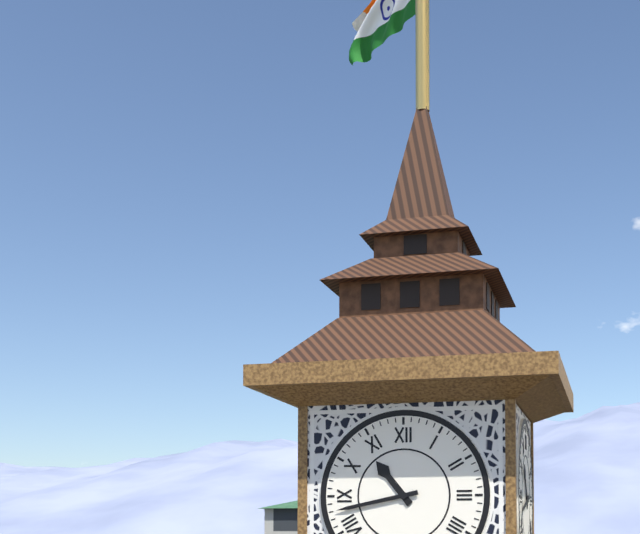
10:43
